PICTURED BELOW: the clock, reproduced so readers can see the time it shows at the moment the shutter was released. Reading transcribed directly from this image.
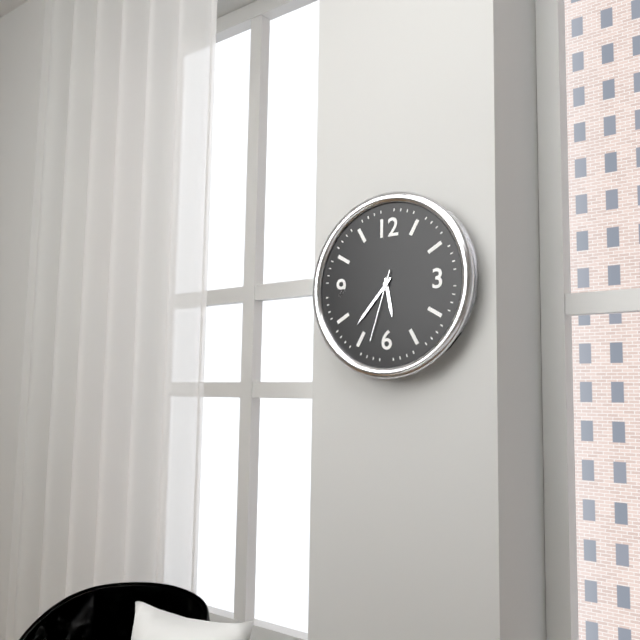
5:37:33
